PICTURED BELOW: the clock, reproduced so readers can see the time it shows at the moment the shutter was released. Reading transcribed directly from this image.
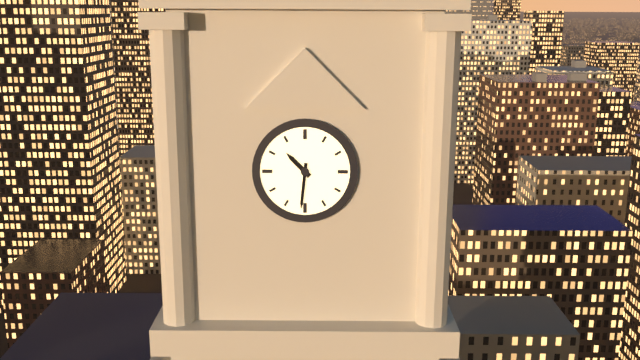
10:31
